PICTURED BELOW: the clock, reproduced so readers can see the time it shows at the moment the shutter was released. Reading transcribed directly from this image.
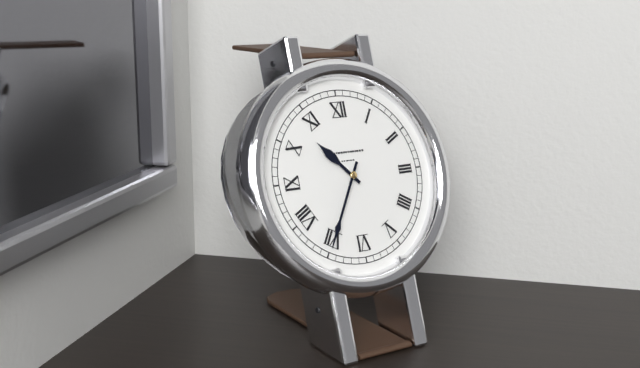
10:35
